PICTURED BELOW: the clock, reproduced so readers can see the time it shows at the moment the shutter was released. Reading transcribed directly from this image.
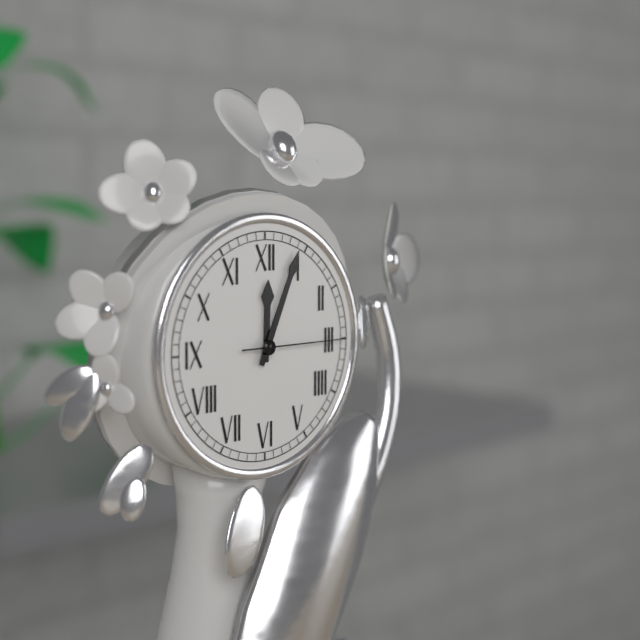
12:04:15
